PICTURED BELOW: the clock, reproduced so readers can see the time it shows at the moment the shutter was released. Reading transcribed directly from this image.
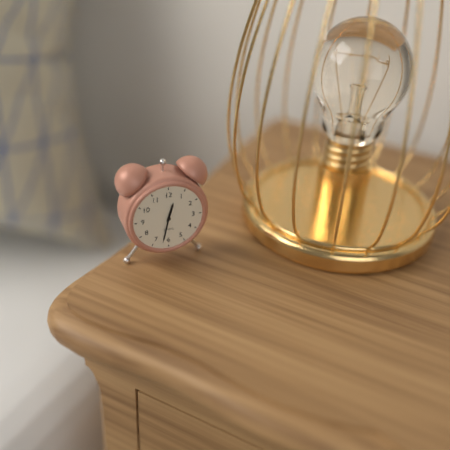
12:32
